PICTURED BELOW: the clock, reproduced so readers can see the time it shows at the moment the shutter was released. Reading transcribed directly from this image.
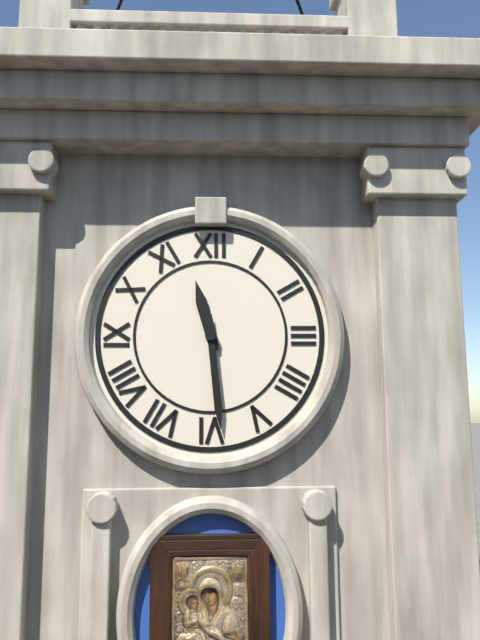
11:29
